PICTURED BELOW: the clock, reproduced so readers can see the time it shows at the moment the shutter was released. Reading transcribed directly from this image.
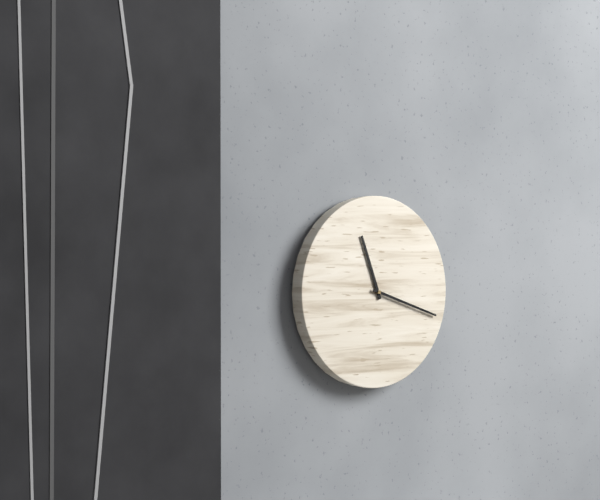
11:18
